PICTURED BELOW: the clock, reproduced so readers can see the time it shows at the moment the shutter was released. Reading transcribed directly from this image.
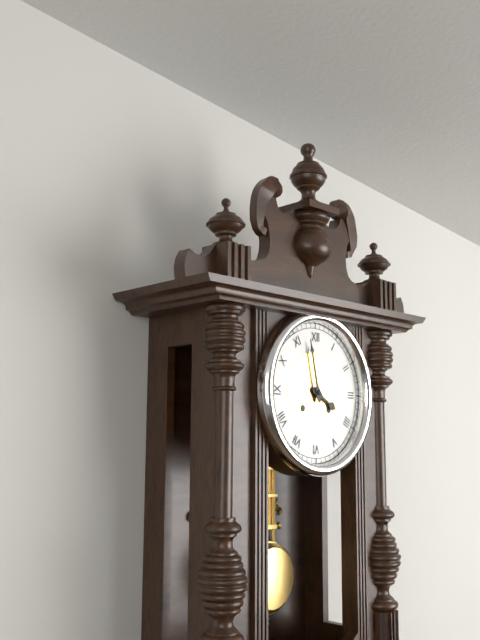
3:58
